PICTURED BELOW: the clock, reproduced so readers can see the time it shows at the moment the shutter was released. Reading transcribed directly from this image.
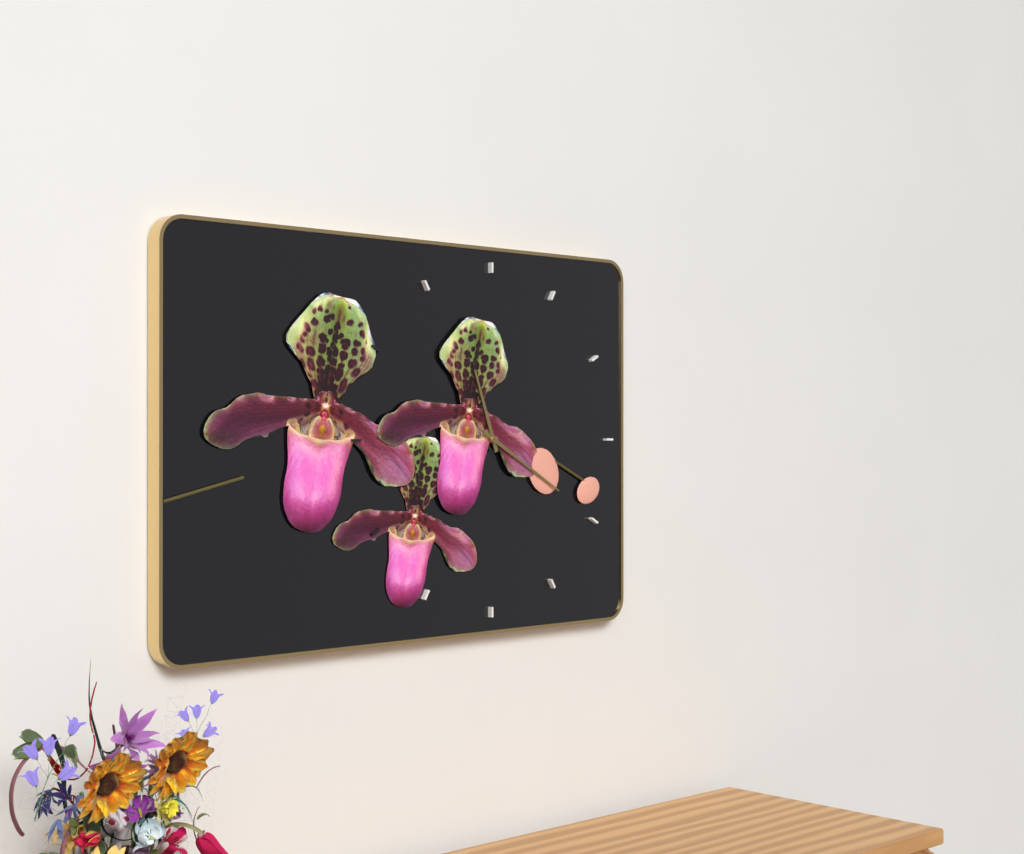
11:20
